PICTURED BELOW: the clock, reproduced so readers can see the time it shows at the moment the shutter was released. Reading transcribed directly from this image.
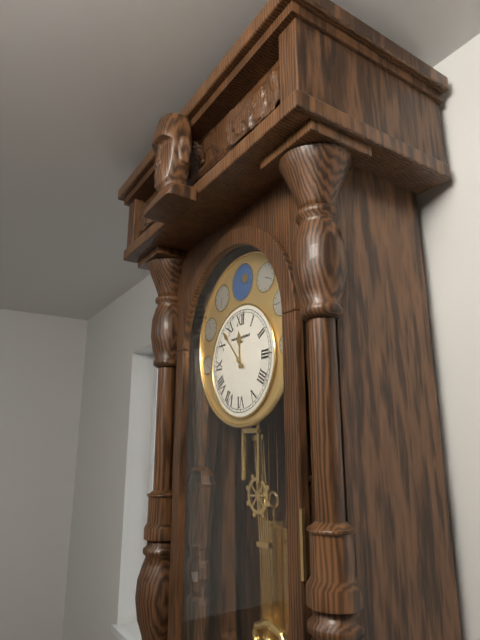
11:53
